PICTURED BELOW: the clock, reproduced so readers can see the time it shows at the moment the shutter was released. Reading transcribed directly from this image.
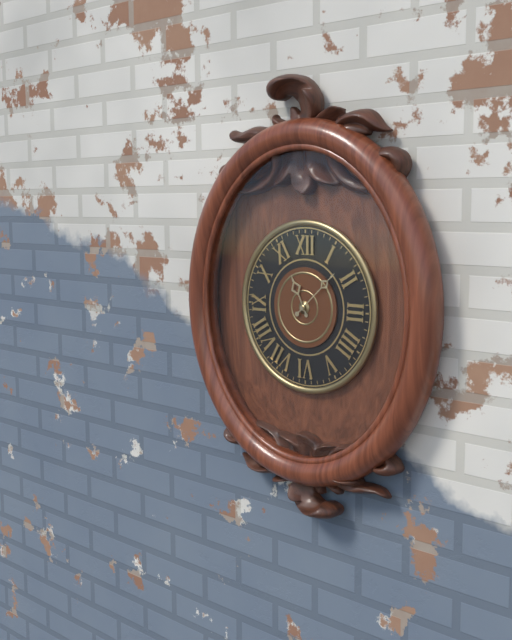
11:08
